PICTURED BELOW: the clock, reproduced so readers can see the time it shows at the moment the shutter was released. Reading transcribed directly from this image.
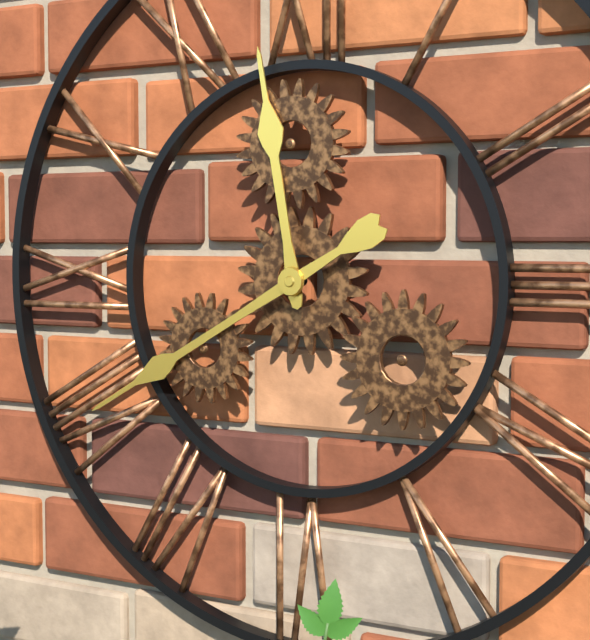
11:40
